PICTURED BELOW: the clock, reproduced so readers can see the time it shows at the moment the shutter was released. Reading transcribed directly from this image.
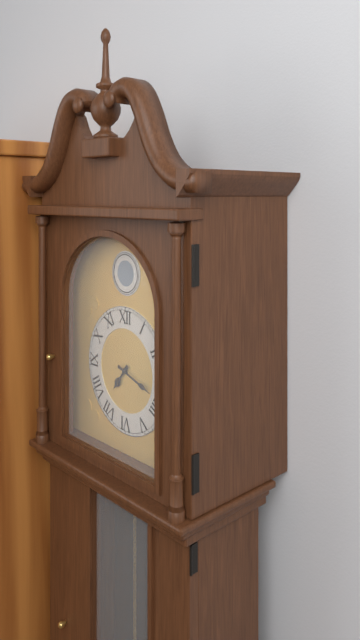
7:18
